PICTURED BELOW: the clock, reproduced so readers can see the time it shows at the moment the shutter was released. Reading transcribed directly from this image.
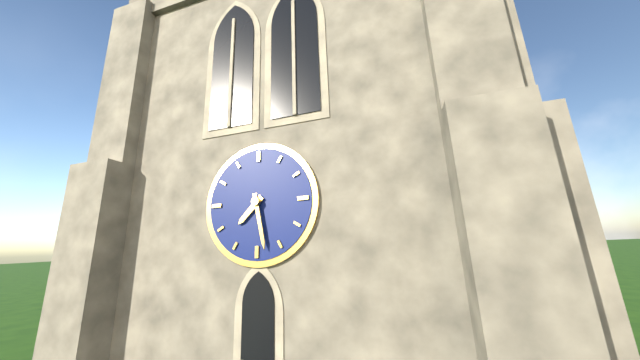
7:28
